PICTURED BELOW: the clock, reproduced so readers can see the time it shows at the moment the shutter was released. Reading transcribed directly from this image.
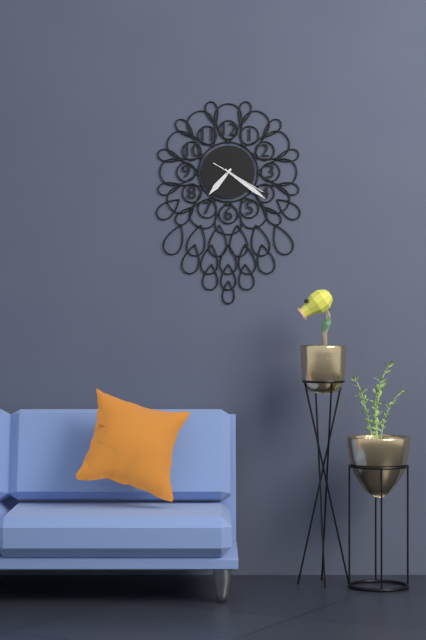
7:21:20
